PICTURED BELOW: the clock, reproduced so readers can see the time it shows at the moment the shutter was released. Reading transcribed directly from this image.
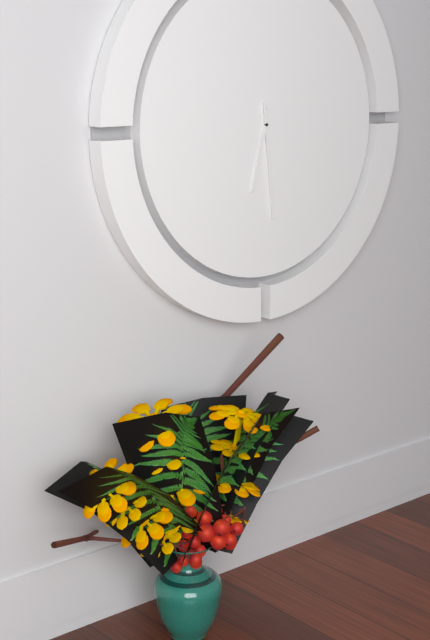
6:29
